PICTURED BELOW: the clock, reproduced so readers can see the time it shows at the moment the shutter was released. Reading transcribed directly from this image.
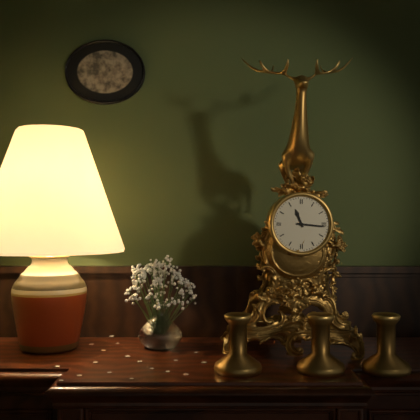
11:16
